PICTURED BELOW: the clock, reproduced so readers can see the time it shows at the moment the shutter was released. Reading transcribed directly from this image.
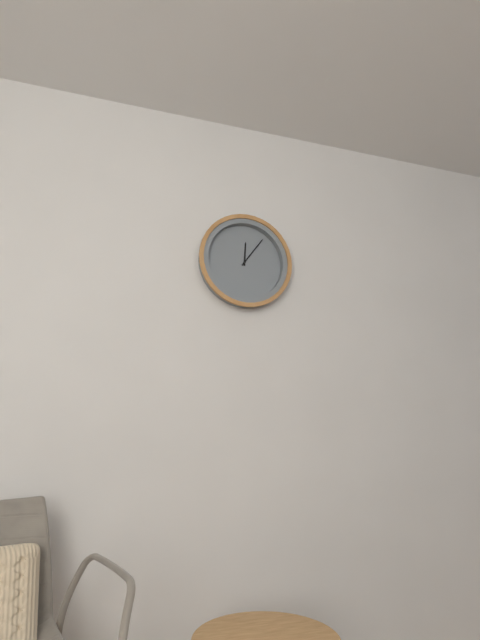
12:06
